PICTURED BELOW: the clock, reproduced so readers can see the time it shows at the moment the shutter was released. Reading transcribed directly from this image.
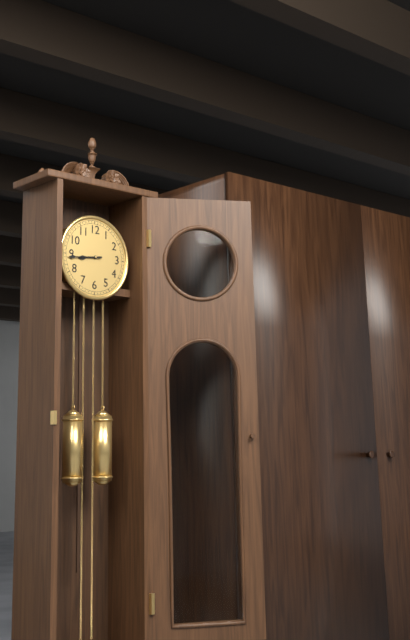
8:44
